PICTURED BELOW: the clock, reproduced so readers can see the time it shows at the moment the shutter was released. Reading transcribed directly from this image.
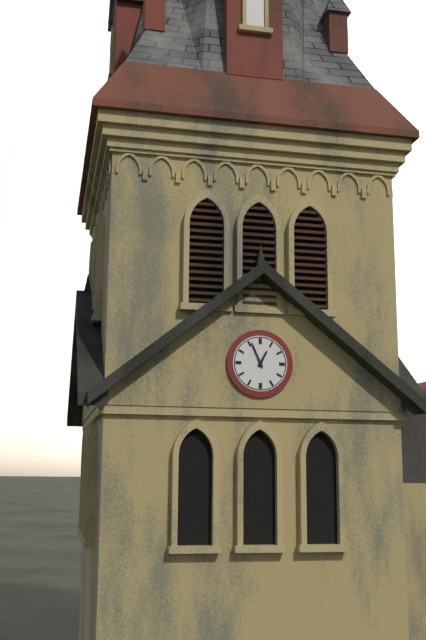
12:56
